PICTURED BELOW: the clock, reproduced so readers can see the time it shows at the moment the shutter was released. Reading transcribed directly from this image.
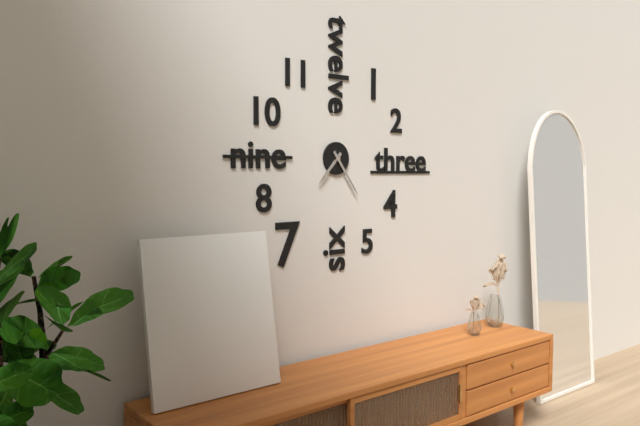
7:24
